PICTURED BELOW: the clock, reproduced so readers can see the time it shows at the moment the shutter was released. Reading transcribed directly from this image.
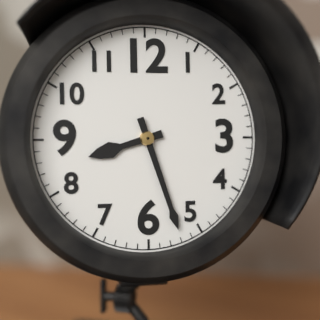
8:27
